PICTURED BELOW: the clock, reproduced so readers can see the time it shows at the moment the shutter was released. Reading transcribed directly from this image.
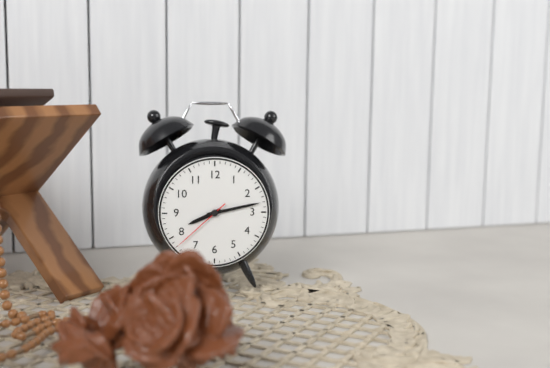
8:13:38
